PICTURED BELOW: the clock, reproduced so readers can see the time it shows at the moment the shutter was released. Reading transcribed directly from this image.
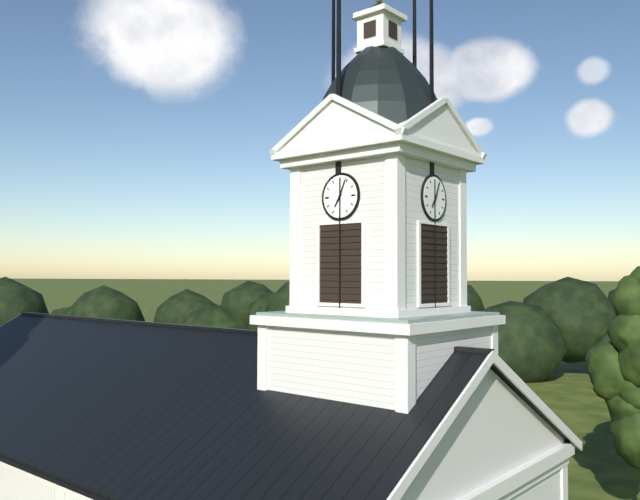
7:04
